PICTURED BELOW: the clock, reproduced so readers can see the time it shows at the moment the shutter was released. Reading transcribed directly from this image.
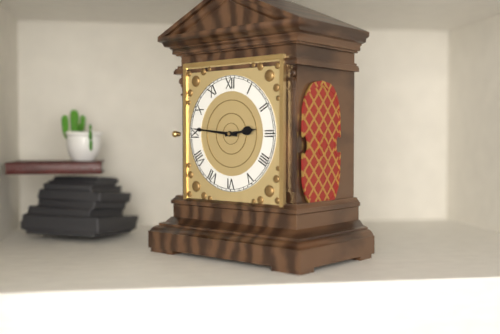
2:46
